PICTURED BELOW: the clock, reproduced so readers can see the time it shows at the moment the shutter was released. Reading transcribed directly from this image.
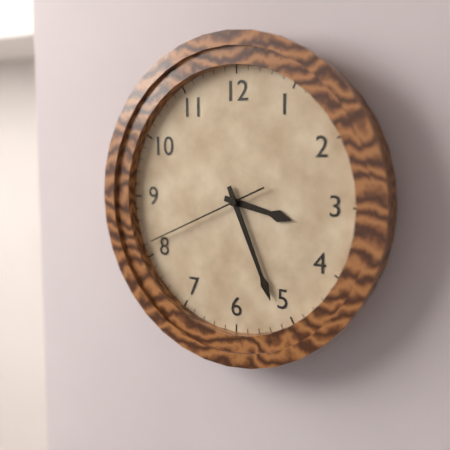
3:26:41
